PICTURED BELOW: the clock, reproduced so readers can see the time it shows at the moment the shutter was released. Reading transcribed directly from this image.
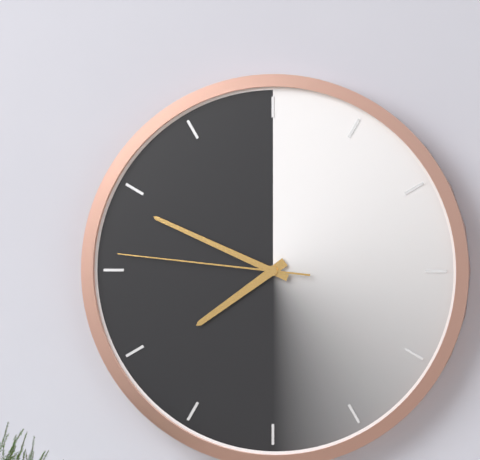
7:49:46
